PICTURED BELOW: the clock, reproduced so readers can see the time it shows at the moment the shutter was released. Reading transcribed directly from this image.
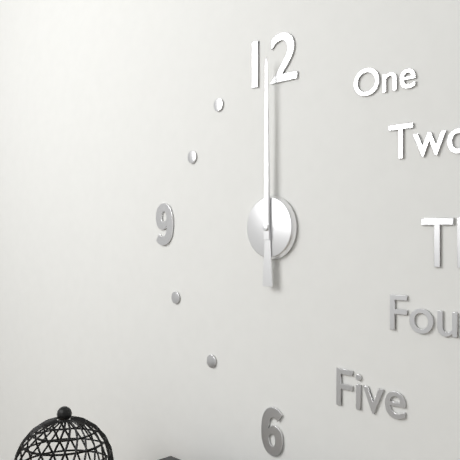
12:00
